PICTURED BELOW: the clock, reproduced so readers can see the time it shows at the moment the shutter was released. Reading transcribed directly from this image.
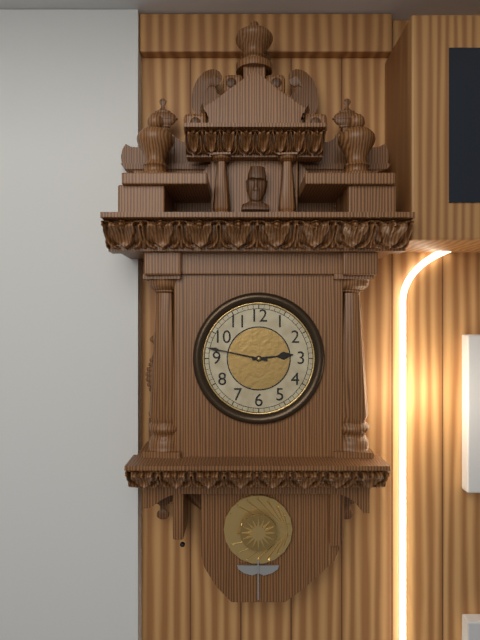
2:47
